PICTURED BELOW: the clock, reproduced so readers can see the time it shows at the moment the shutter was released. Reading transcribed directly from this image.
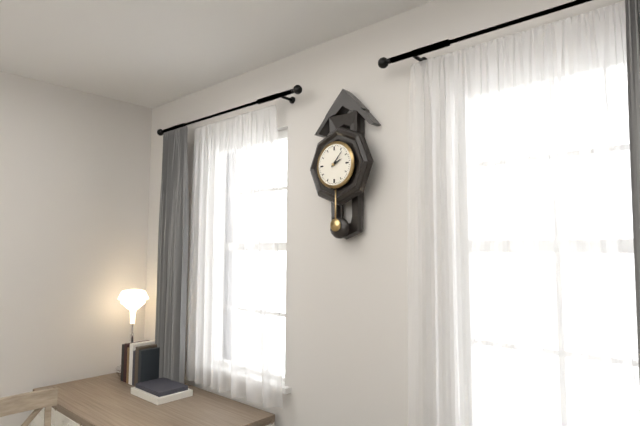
2:07
